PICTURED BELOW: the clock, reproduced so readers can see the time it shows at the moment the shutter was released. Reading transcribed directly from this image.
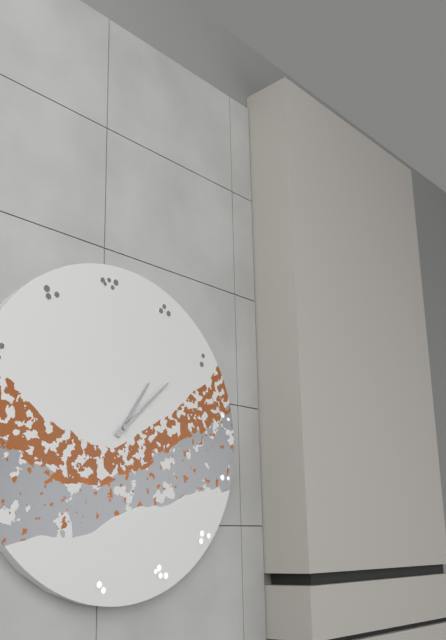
1:08
